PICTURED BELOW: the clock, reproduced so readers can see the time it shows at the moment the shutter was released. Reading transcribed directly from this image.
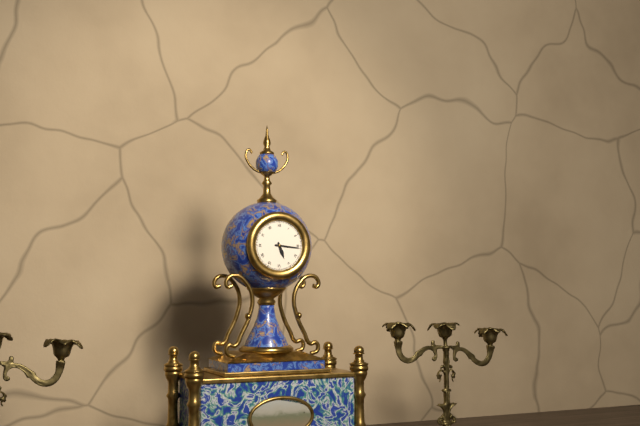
5:16
